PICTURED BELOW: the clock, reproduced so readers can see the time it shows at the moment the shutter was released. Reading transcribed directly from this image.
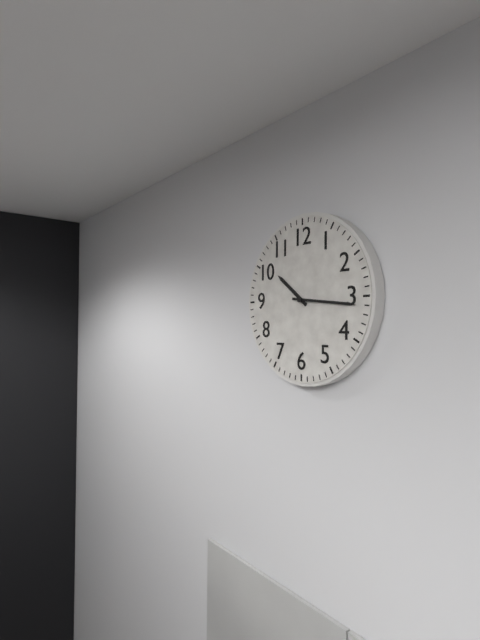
10:16
